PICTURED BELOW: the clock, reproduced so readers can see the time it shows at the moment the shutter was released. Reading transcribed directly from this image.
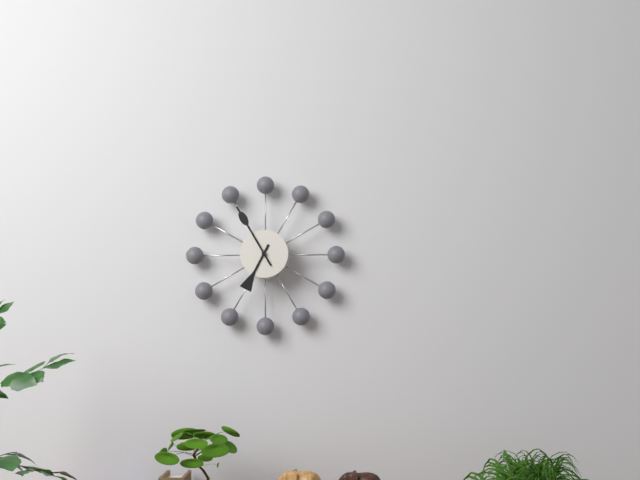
6:55
